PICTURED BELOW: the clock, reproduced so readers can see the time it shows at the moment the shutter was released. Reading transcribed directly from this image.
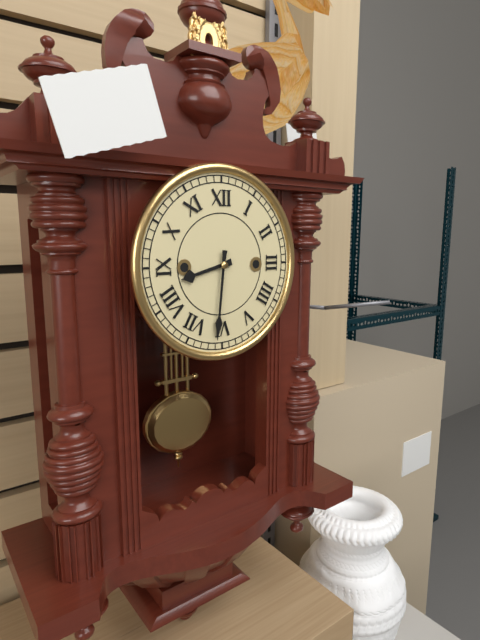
8:31
